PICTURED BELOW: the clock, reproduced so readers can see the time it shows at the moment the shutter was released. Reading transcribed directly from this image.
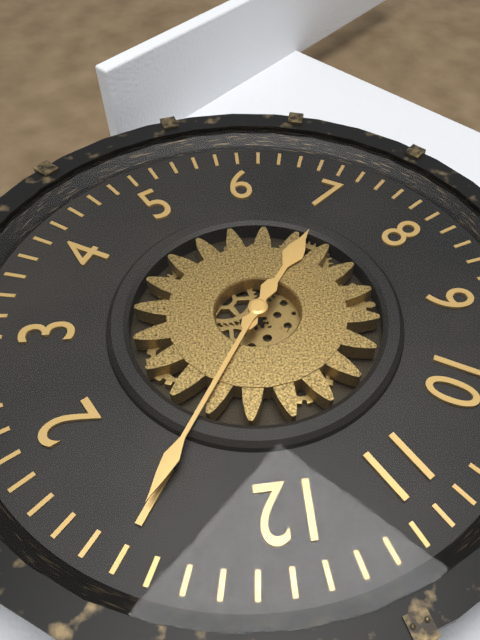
7:05
